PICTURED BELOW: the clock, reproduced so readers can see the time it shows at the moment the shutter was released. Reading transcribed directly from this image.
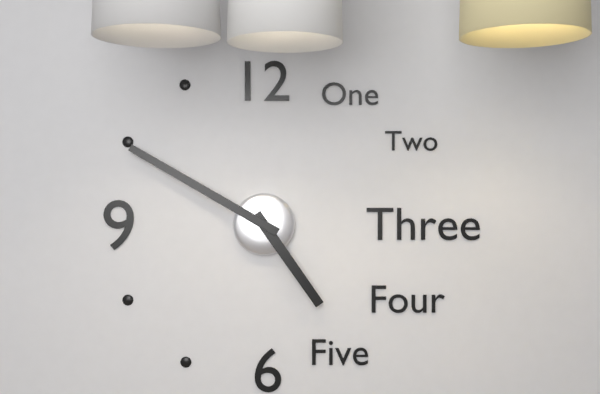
4:50
